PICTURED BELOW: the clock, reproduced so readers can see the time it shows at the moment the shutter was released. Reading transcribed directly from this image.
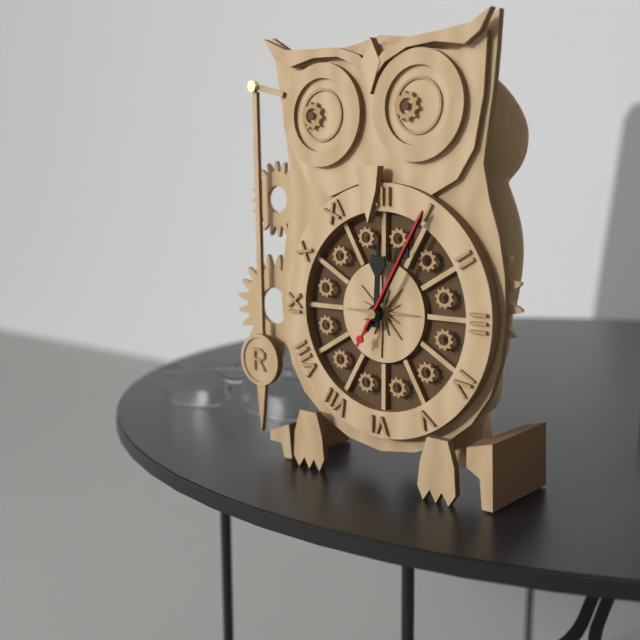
12:05:05
